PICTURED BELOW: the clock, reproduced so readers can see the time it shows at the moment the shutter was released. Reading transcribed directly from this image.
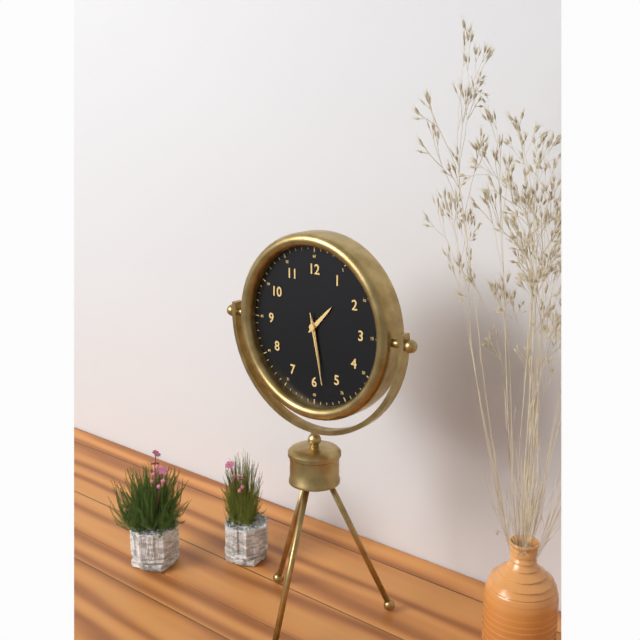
1:28:28
